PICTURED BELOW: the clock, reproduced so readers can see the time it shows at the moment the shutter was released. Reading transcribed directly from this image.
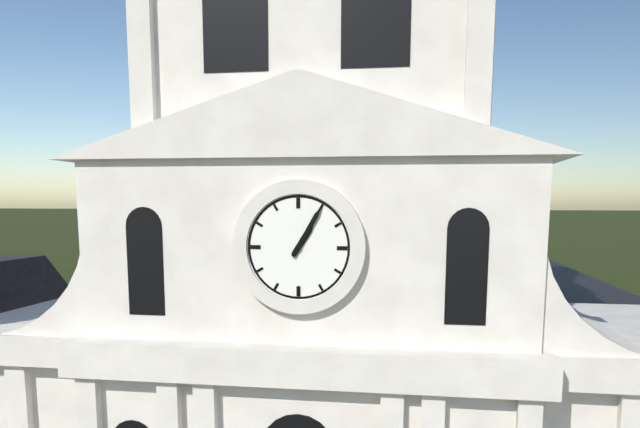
1:05
